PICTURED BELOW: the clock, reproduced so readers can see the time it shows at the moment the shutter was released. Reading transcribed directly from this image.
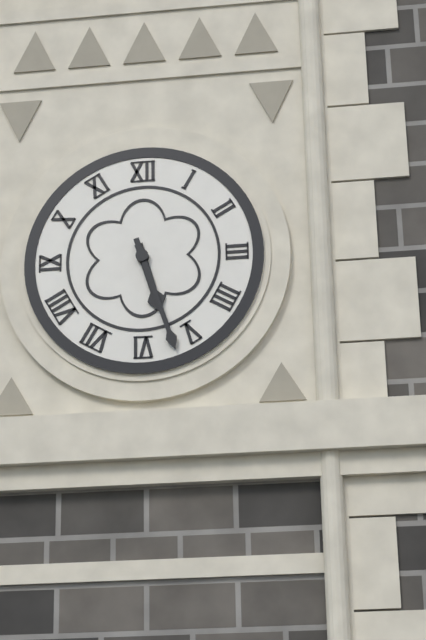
5:27
